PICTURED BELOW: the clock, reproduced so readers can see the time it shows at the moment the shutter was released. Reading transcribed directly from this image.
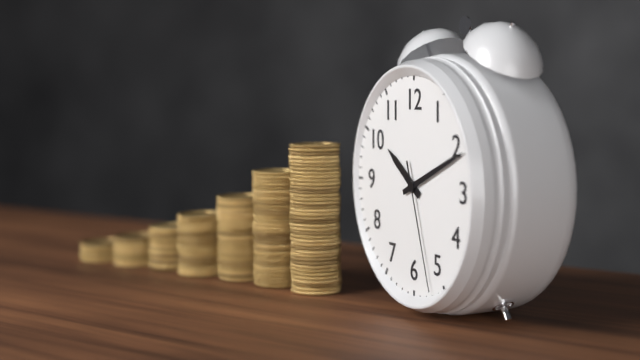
10:11:27
